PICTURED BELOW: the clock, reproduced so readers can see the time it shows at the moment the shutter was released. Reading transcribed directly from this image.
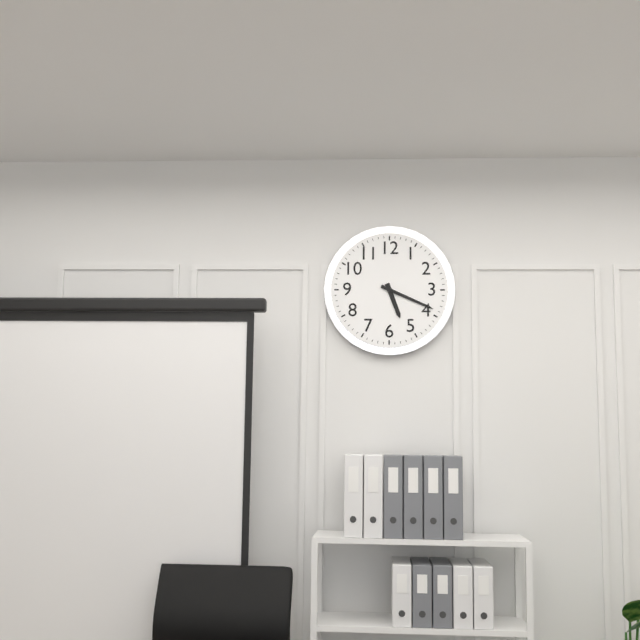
5:19
